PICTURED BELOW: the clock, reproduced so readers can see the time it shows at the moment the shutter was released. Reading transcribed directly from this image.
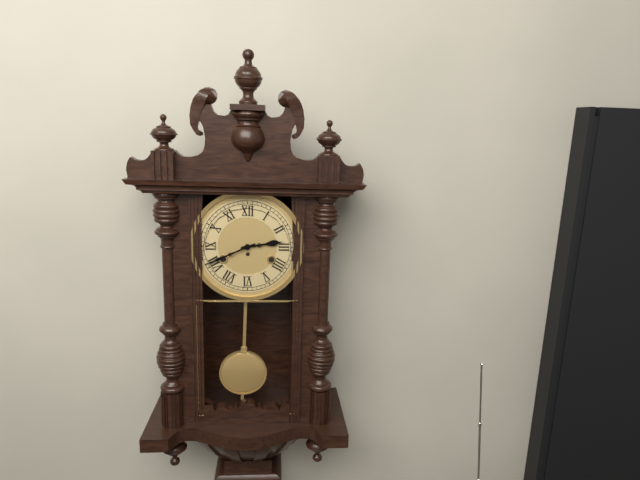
2:41
